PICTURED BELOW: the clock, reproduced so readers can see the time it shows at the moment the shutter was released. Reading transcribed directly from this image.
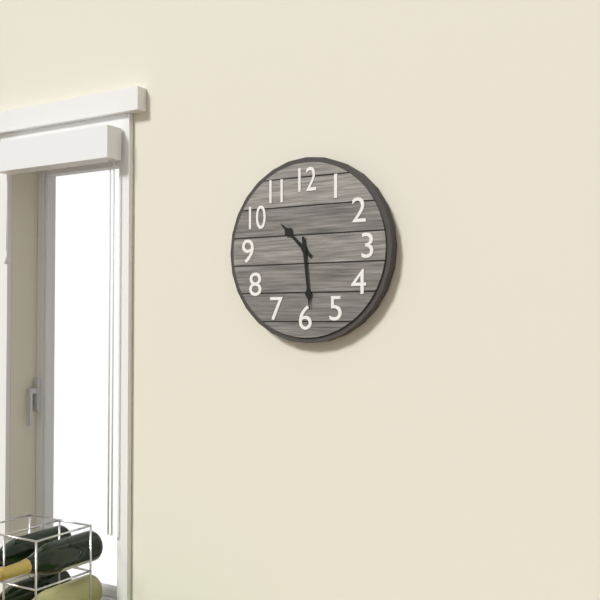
10:29
